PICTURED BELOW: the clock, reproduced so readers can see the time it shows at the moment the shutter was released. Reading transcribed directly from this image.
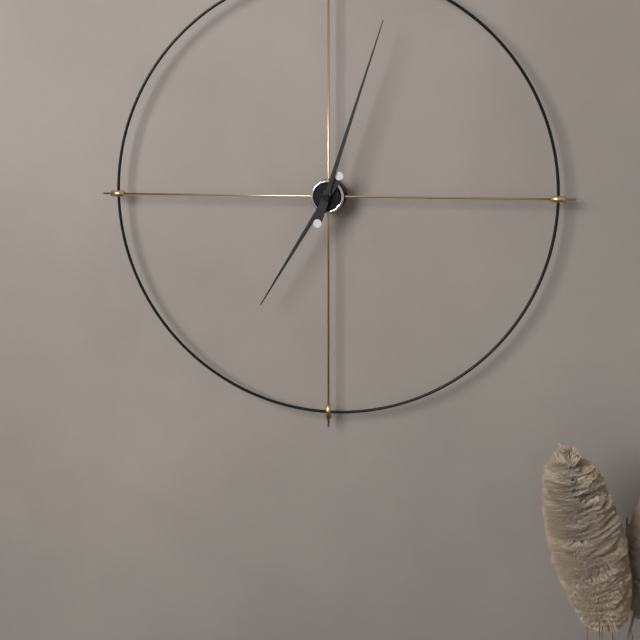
7:03
